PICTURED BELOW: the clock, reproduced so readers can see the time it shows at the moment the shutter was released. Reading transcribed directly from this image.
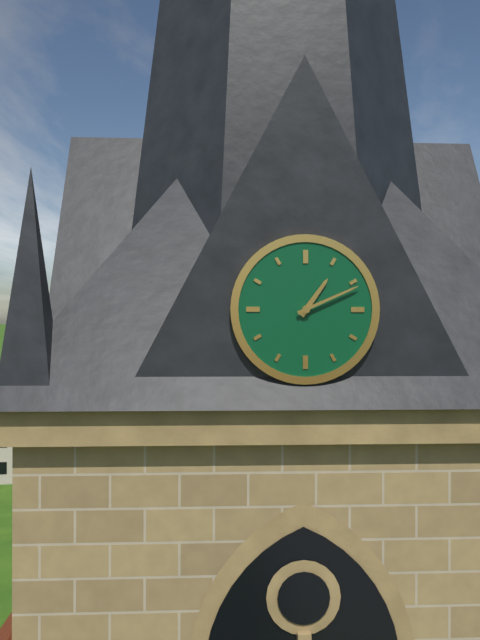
1:11
